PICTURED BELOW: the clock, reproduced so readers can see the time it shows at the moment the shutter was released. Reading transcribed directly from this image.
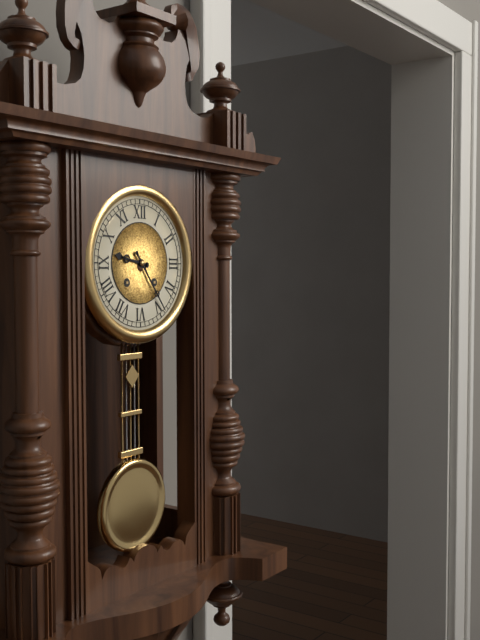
9:24
